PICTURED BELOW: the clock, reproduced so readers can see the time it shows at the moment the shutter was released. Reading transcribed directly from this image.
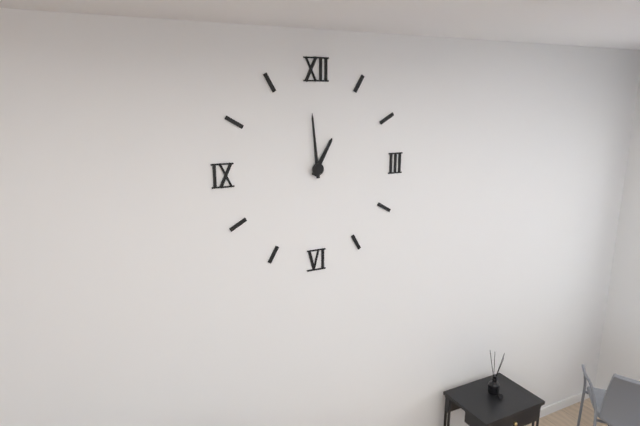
12:59
